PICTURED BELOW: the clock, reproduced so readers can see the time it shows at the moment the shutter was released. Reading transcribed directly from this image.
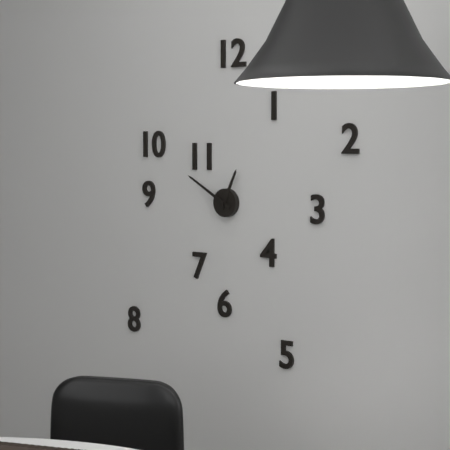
12:50
